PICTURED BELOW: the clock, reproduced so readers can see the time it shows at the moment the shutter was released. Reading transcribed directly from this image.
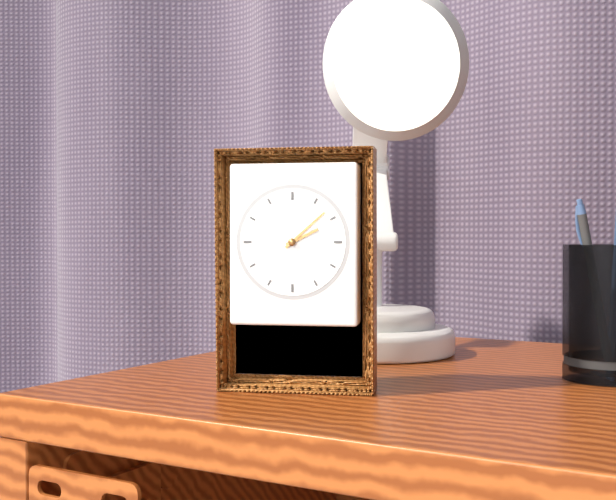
2:08
